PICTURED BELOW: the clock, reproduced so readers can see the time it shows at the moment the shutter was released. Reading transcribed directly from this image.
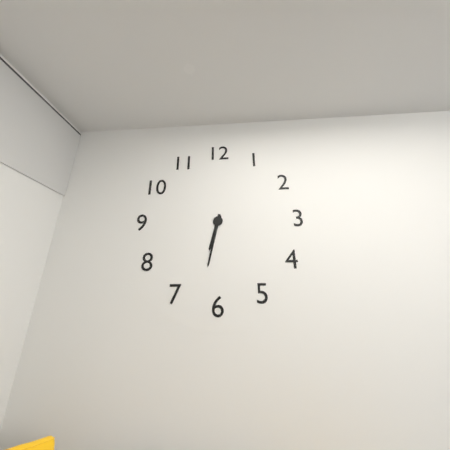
6:32
